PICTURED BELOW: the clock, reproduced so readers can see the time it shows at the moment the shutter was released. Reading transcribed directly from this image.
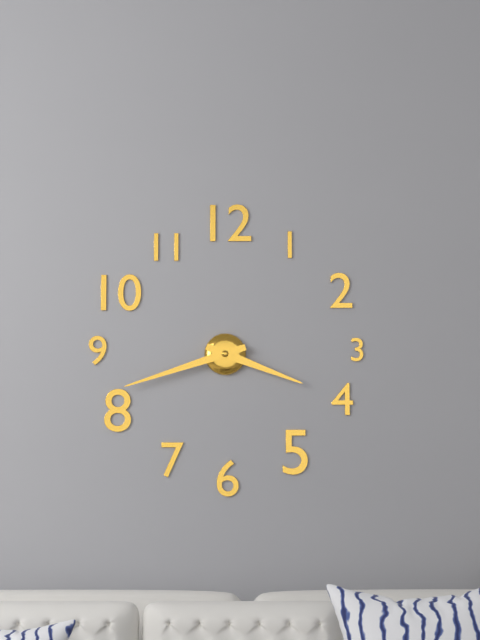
3:42
